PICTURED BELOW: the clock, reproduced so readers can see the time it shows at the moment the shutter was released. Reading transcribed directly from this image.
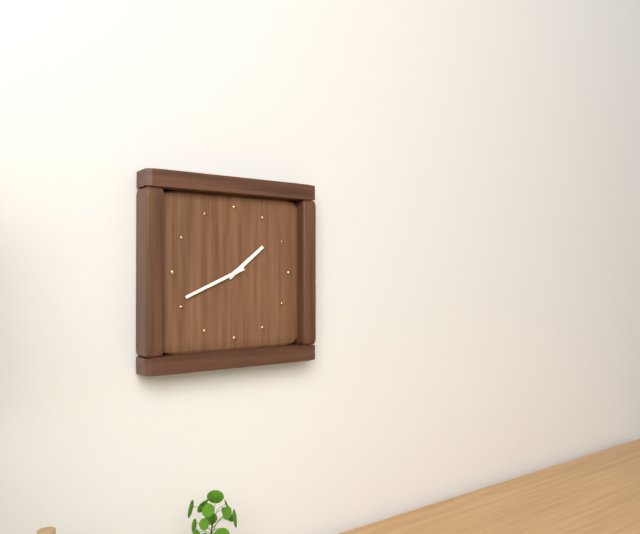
1:41
